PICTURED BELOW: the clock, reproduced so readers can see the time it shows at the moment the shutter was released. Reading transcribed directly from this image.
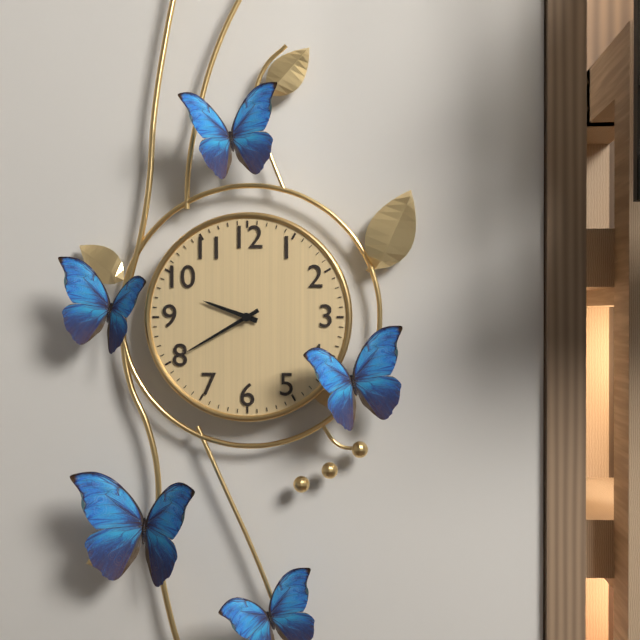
9:40
